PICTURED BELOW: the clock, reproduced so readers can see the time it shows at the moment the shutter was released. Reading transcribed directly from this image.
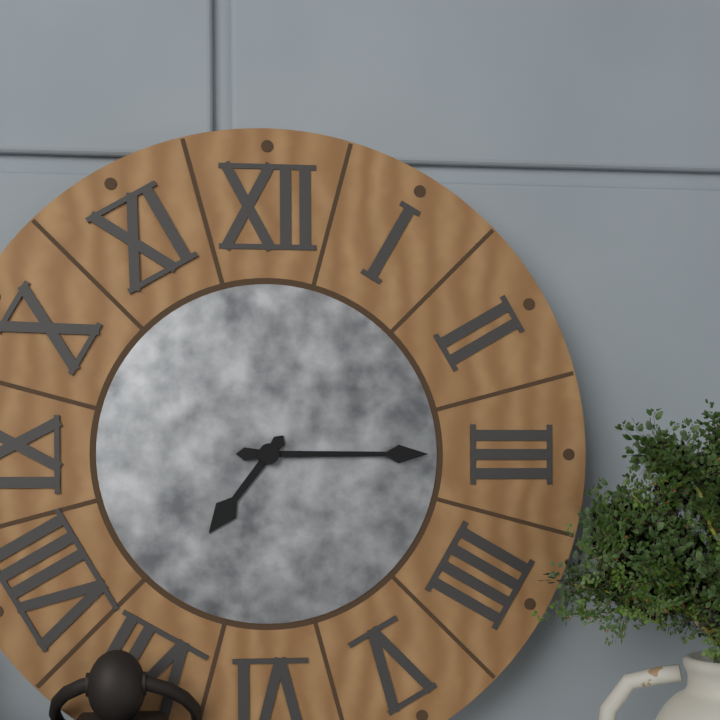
7:15
